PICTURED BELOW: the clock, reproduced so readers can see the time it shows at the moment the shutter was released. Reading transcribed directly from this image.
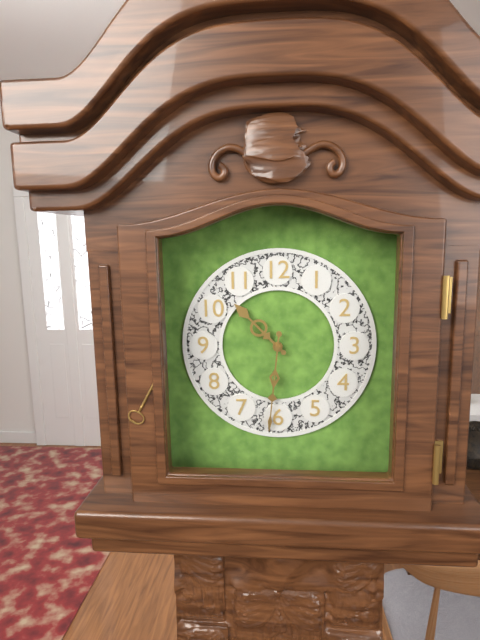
10:31
